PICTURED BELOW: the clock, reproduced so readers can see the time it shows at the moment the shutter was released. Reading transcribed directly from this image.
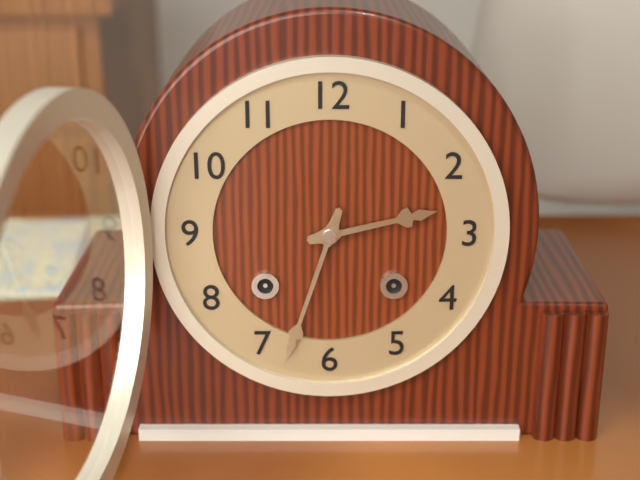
2:33
